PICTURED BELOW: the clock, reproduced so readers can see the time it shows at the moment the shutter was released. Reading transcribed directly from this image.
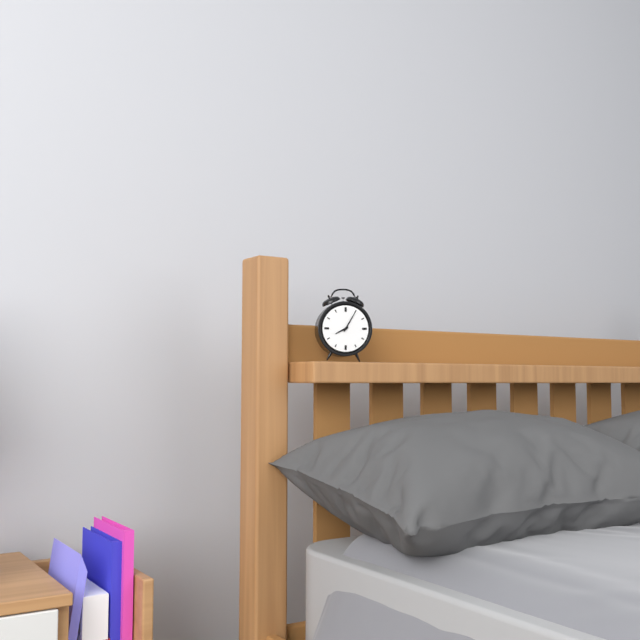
8:05
